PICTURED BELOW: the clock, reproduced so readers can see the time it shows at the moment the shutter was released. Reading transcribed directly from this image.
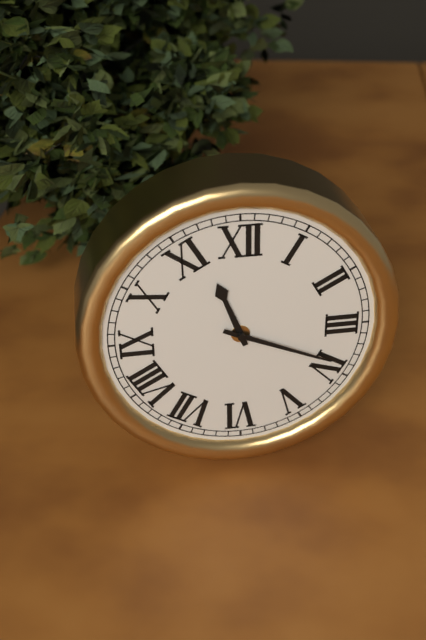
11:19
